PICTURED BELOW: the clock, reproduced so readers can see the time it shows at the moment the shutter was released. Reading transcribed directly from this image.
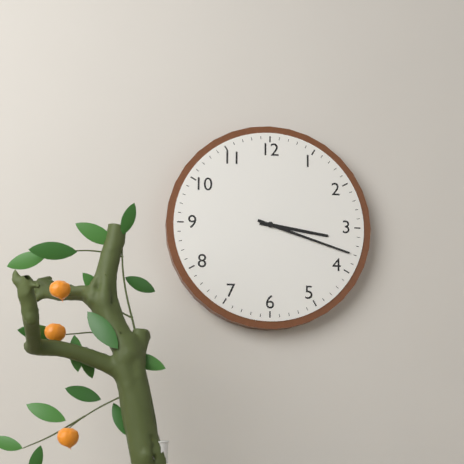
3:18
